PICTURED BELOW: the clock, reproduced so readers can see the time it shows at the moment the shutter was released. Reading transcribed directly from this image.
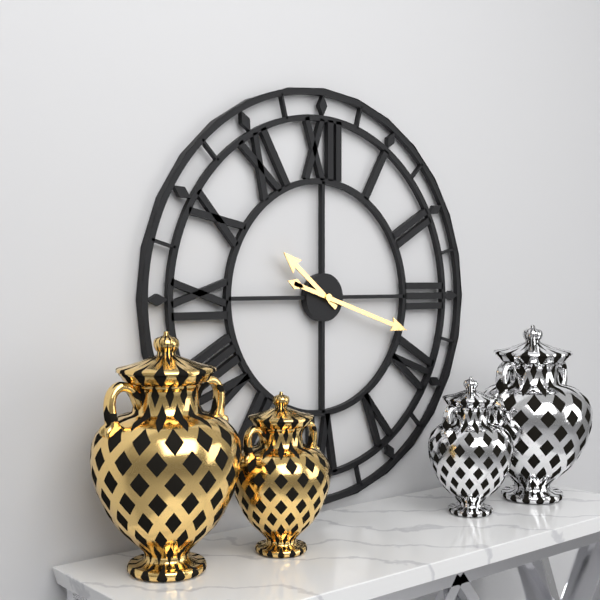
10:18
